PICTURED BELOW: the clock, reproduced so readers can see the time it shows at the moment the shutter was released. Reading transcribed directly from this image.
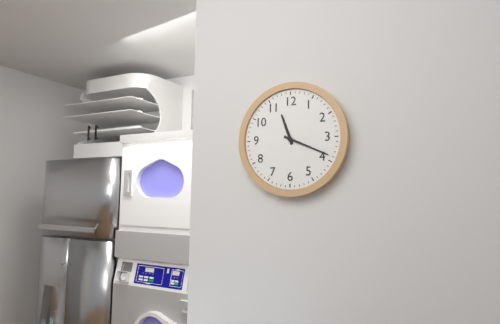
11:19
